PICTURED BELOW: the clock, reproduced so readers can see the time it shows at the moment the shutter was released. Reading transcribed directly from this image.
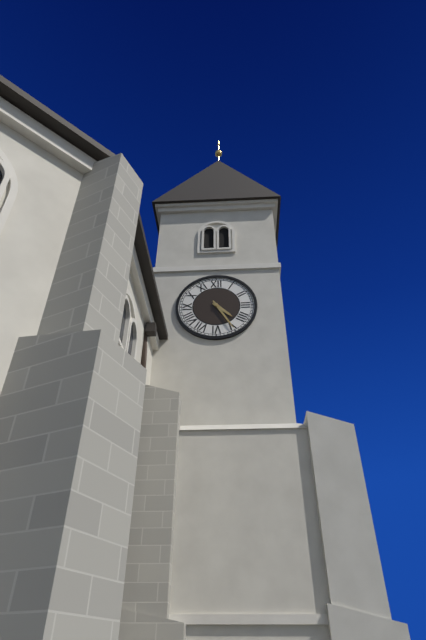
4:25
